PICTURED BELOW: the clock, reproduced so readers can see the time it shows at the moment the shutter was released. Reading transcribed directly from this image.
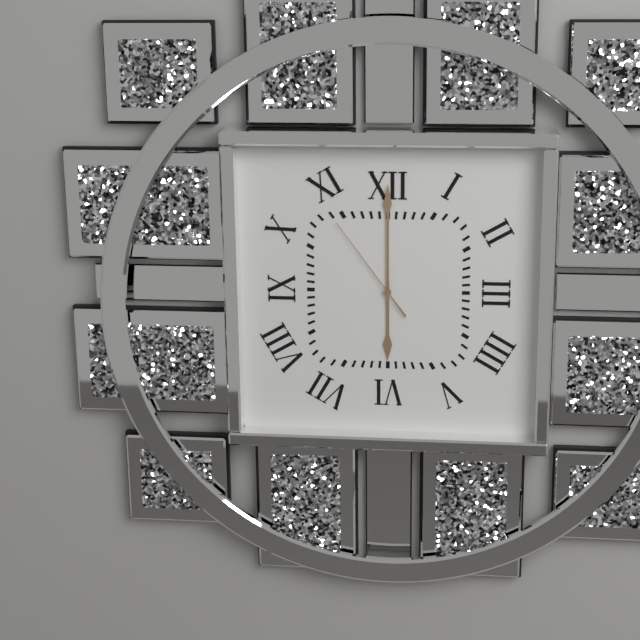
6:00:54
